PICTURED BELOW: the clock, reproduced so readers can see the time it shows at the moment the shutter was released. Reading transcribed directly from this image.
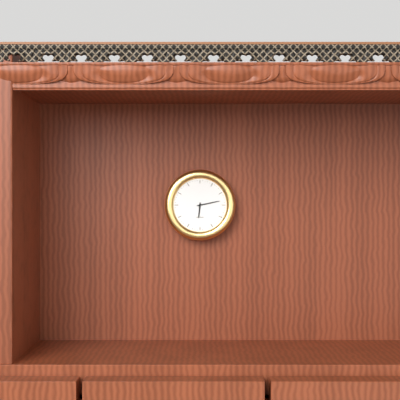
6:13
